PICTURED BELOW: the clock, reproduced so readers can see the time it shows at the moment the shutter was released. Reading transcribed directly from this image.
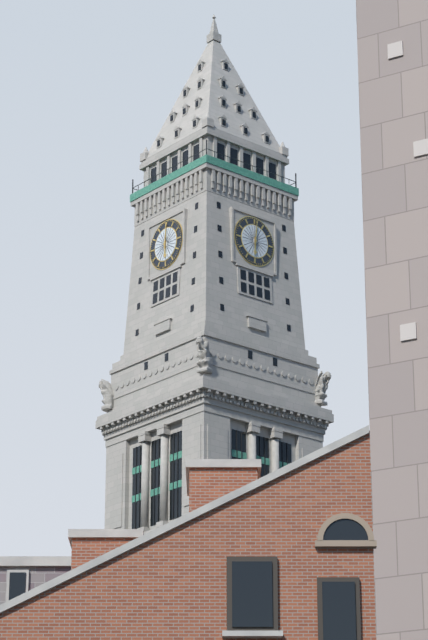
6:01
